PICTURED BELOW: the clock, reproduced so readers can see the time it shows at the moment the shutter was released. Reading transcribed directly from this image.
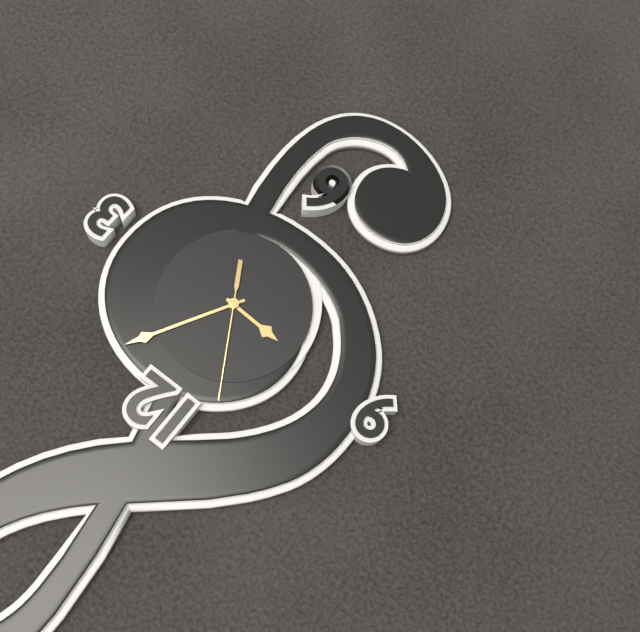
9:05:55
